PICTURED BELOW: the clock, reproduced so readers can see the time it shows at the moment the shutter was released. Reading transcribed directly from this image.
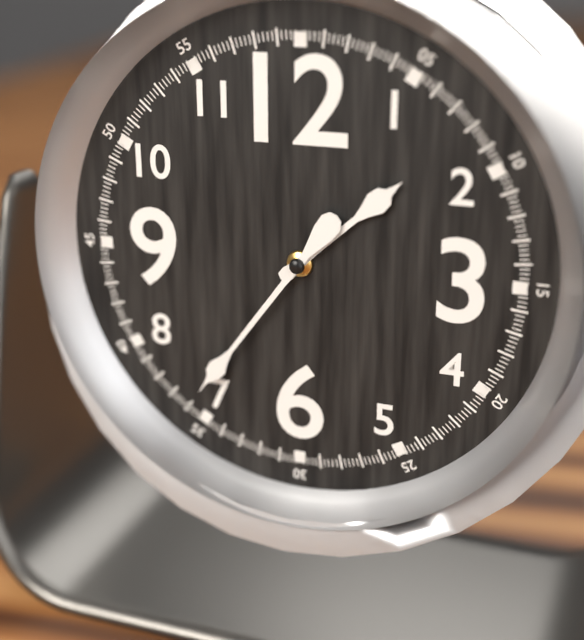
1:36
